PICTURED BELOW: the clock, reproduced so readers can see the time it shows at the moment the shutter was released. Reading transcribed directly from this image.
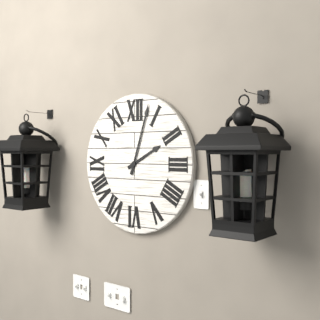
2:03
